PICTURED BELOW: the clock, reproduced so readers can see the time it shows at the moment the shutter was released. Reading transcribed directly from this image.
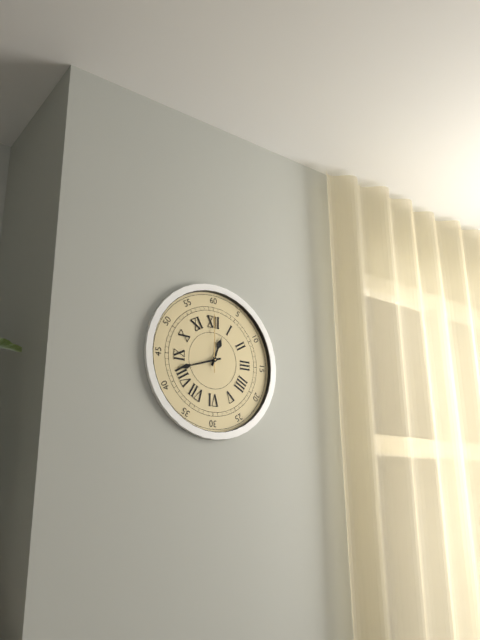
12:42:00
